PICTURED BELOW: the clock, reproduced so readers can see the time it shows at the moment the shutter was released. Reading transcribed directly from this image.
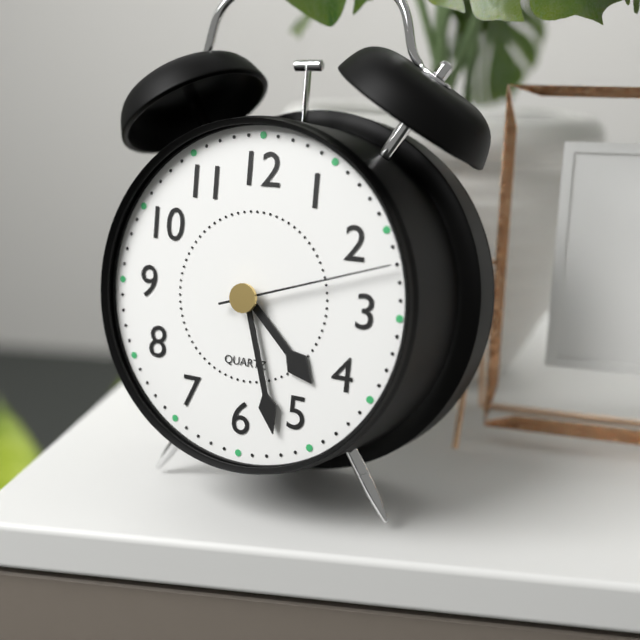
4:27:12
